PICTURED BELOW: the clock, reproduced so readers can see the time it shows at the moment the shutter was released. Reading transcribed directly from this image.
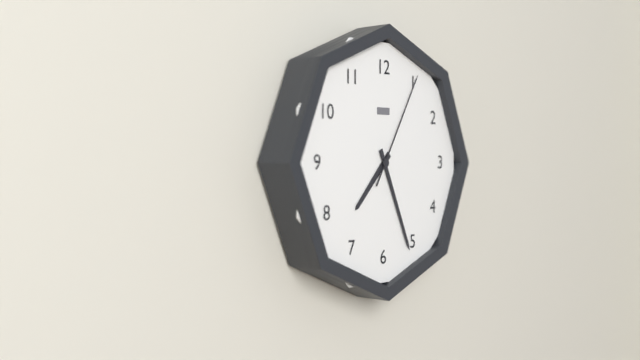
7:26:05
